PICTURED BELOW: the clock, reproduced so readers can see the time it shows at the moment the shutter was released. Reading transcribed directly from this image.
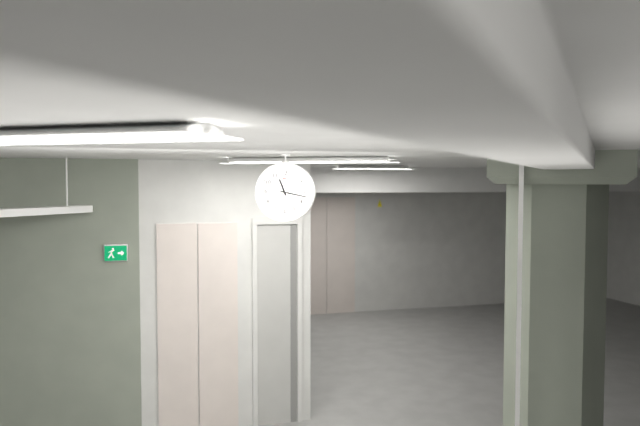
11:17
